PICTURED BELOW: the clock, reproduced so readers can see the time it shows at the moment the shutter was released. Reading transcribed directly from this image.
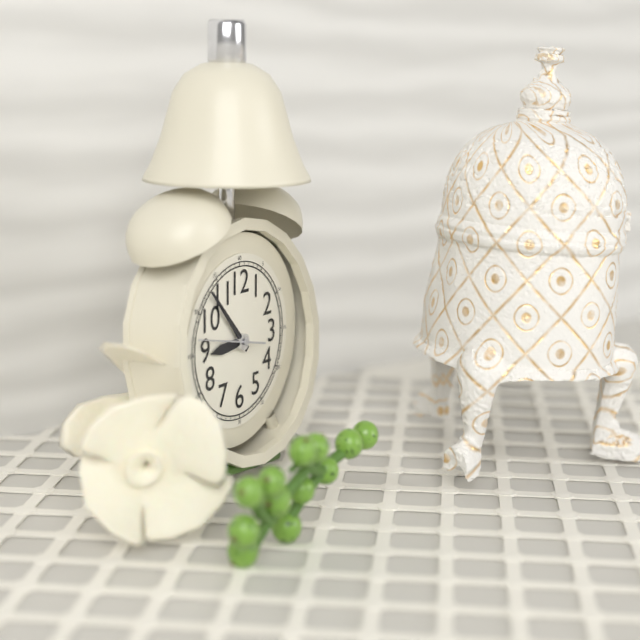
8:53
